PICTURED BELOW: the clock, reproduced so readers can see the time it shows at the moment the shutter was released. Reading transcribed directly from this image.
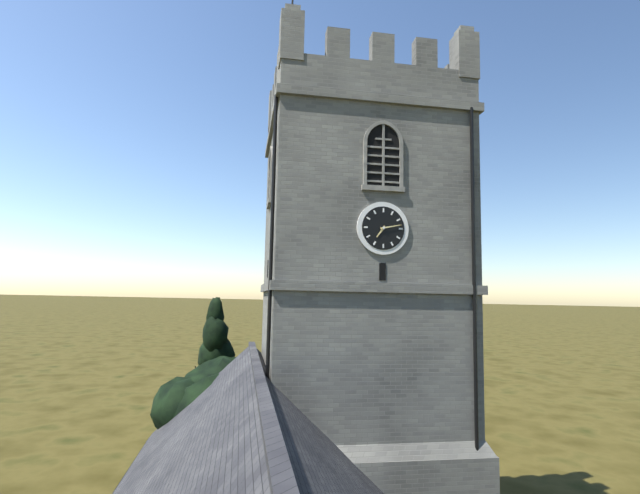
7:13
